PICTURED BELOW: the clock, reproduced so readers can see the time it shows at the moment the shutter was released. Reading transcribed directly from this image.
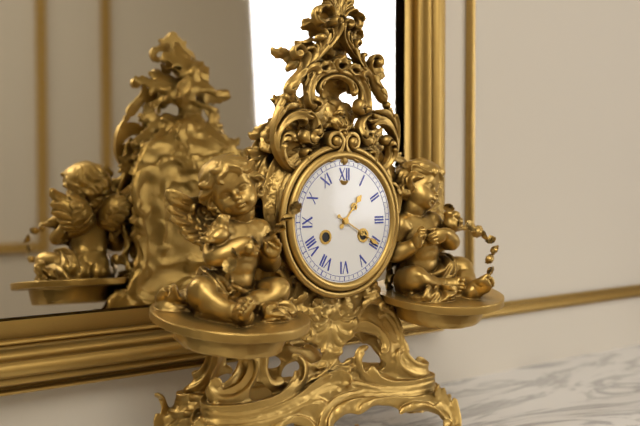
1:20
